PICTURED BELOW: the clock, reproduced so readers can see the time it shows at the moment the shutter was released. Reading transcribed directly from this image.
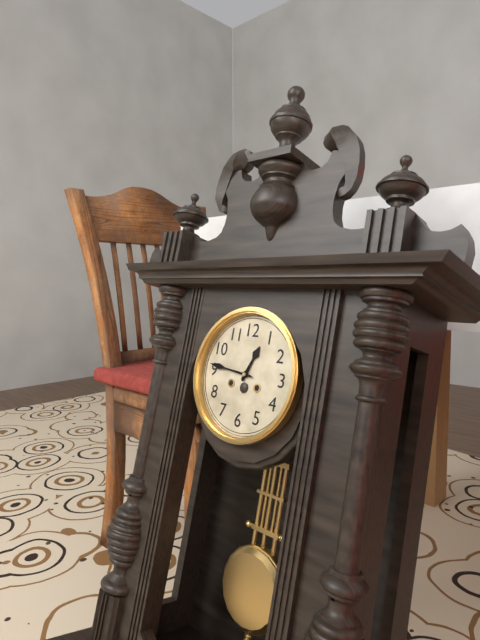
12:46
